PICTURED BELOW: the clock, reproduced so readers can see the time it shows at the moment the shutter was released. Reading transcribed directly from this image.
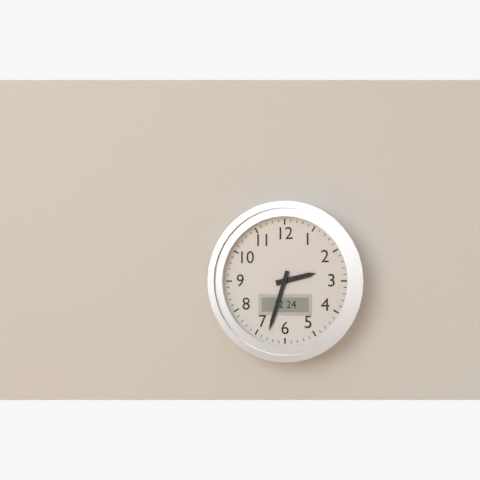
2:33
